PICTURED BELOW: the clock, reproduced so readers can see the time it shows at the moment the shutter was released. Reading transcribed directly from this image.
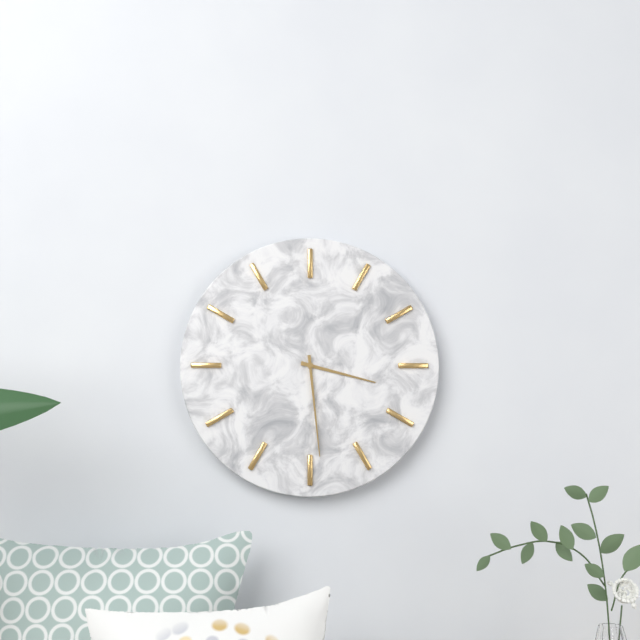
3:29
